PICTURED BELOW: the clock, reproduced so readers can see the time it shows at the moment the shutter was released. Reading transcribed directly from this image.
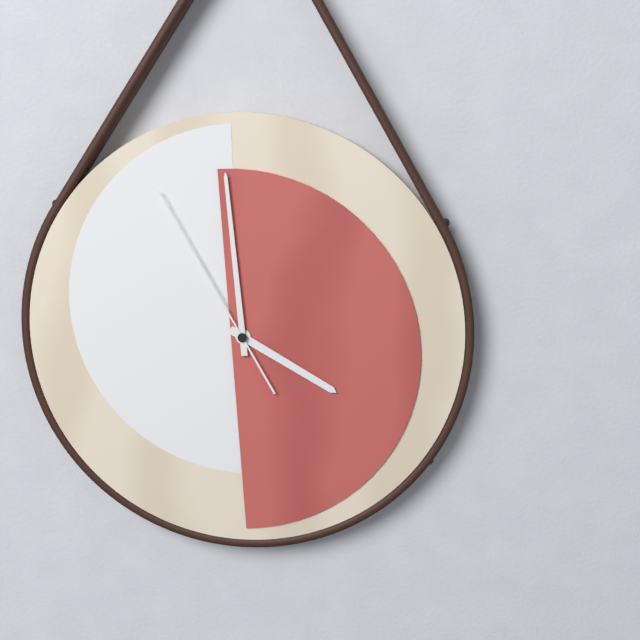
3:59:55
